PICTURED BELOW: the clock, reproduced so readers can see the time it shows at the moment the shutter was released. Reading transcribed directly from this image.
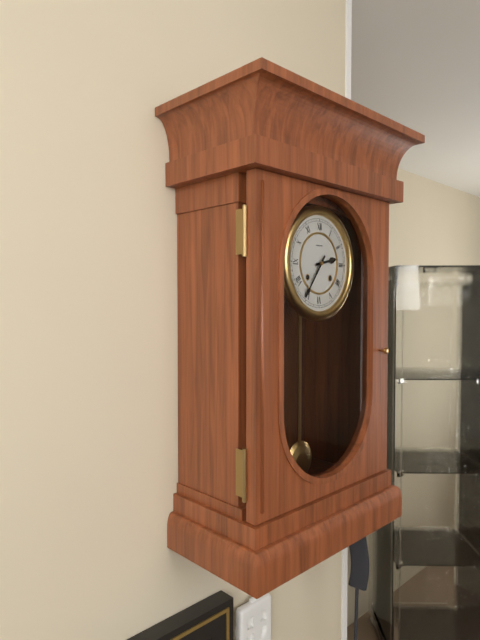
2:36
